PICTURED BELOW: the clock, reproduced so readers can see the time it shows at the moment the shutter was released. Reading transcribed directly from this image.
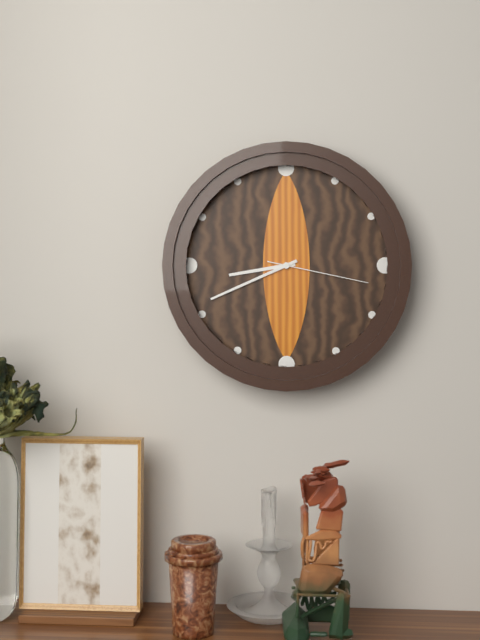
8:41:17
